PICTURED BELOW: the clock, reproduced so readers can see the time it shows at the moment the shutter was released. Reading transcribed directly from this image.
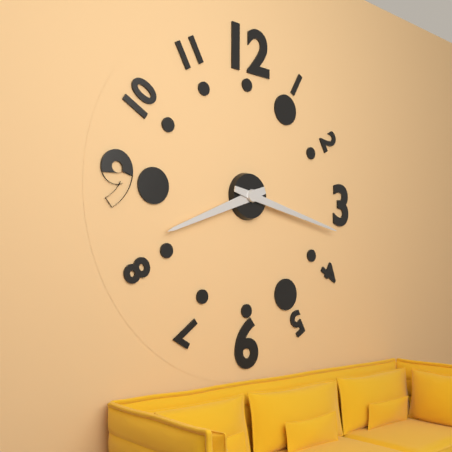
8:17
